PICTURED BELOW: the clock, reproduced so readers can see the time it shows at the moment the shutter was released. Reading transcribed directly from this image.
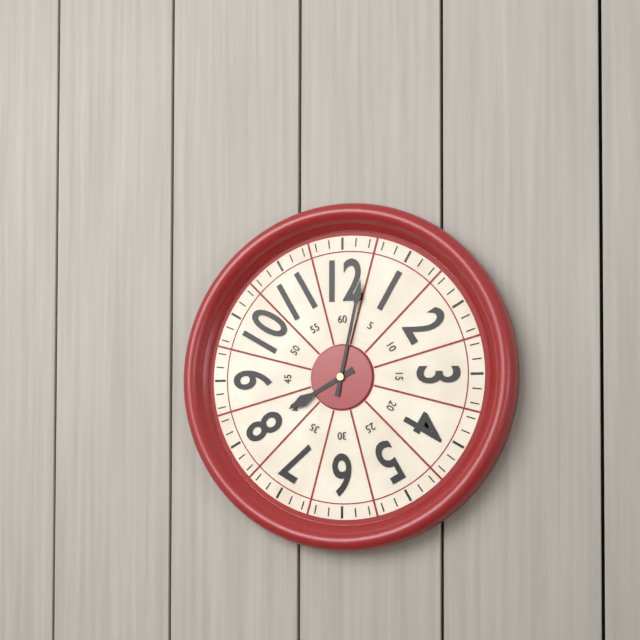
8:02
